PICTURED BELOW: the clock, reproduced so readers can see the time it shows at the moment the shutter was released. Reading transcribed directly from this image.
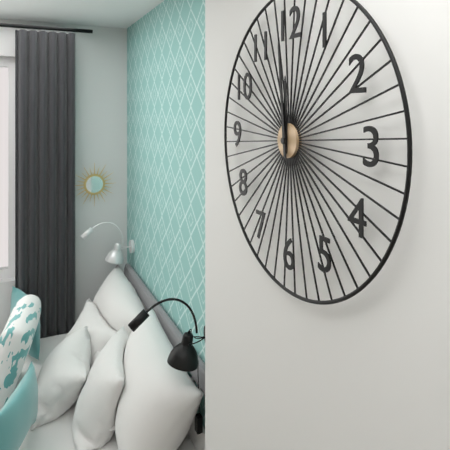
11:59
